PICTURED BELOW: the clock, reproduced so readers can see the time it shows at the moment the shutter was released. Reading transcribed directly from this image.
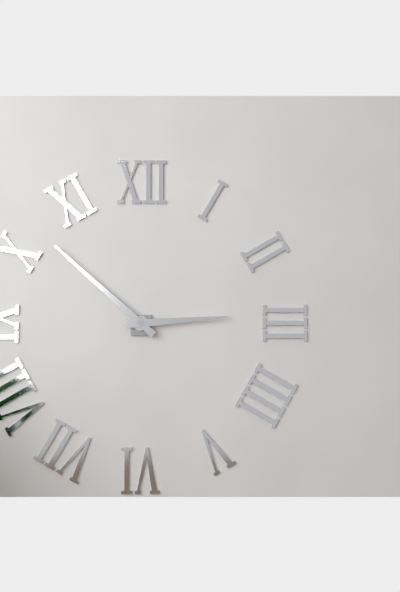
2:52
